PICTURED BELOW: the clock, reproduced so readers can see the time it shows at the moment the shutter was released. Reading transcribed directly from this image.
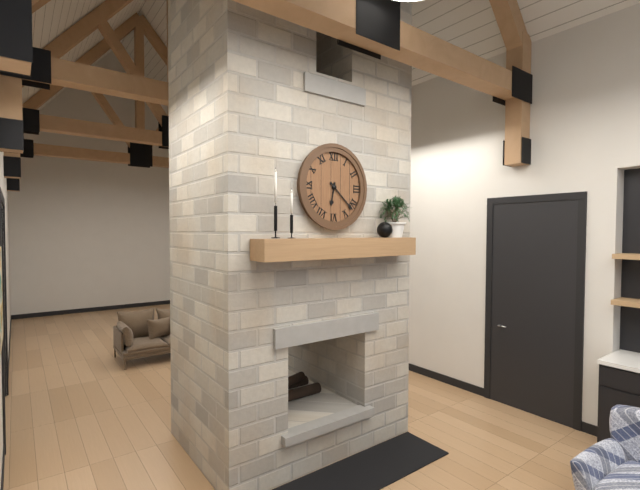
6:22
